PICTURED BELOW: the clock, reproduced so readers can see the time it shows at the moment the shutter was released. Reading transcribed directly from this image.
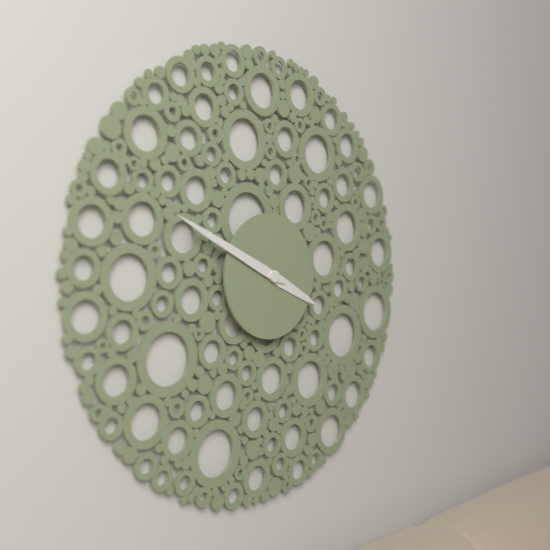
3:49
